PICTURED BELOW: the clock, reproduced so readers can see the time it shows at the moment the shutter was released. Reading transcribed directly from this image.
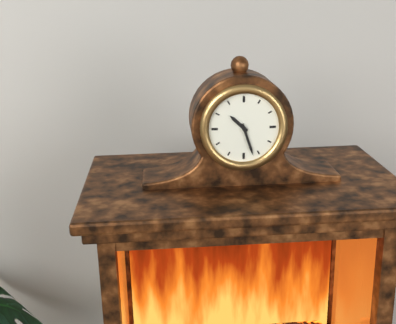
10:27
